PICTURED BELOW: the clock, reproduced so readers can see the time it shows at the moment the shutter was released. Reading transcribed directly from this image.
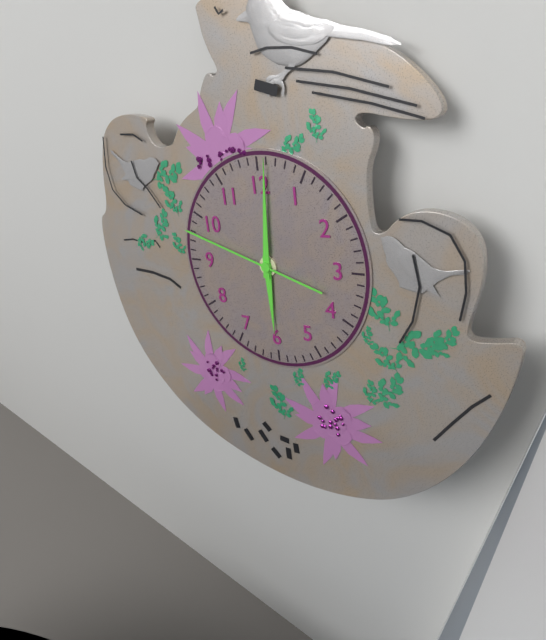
6:01:48
